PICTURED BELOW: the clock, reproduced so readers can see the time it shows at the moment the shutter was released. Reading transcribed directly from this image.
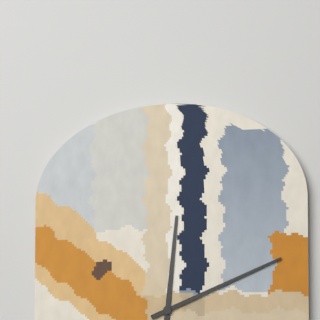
12:11
